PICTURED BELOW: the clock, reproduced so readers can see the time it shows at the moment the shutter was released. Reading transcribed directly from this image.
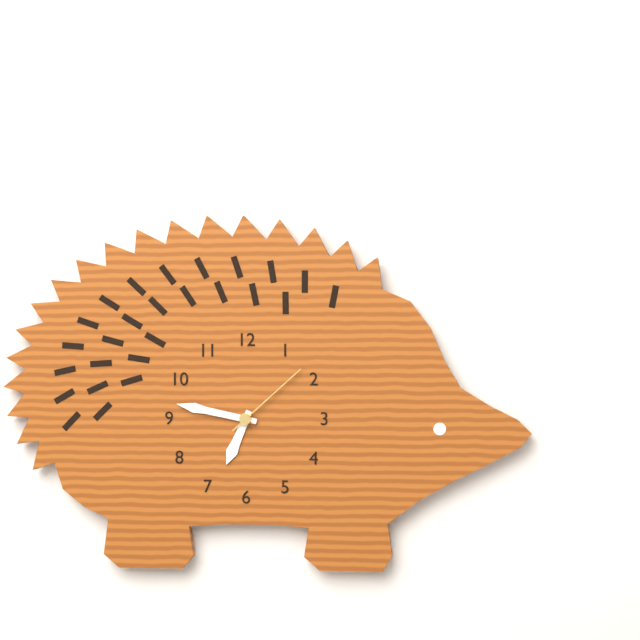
6:47:08
